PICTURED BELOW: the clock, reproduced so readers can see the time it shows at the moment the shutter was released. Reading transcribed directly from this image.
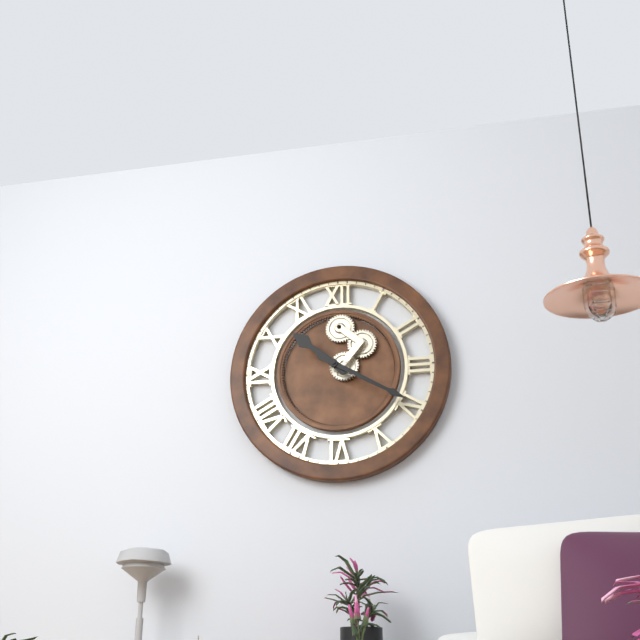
10:20
